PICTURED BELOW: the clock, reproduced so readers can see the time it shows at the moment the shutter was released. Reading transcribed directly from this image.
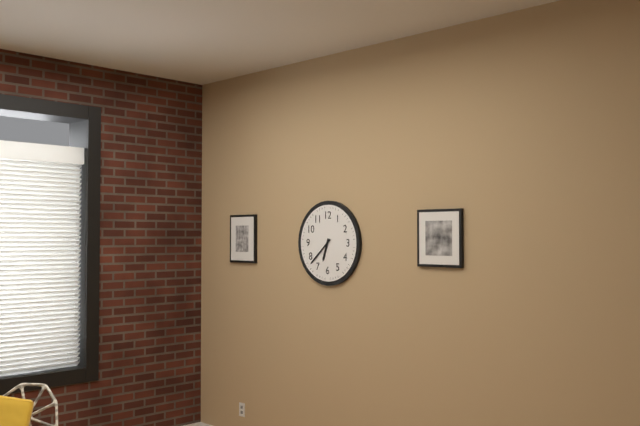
6:38
